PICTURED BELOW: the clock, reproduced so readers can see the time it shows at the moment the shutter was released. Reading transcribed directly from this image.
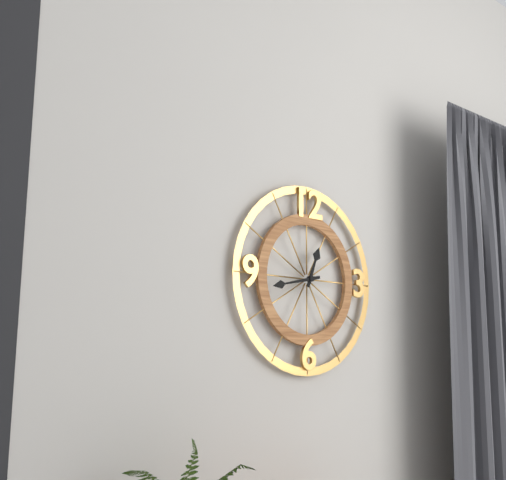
12:43
